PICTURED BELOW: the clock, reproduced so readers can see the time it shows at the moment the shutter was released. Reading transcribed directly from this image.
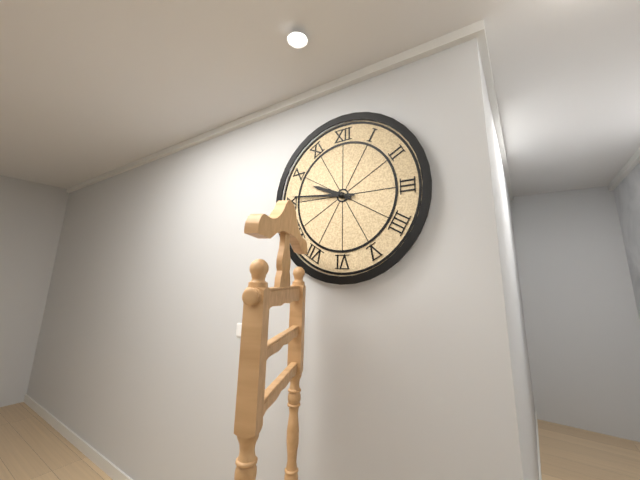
9:46
